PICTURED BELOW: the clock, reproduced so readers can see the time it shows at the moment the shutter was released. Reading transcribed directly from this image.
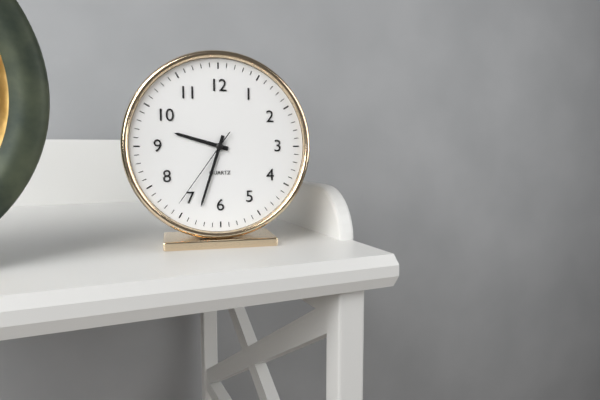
9:33:36
